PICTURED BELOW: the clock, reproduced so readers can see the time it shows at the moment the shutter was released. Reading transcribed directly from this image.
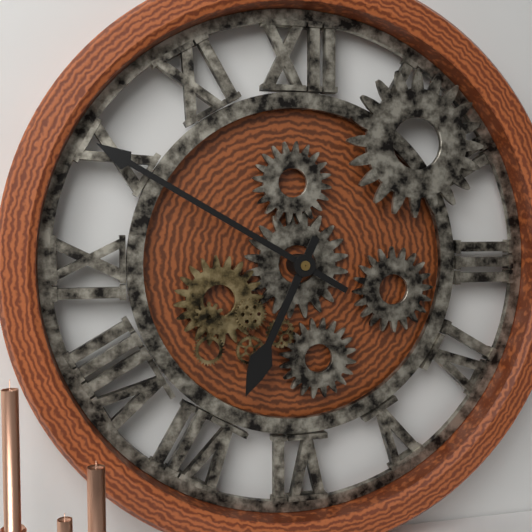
6:50
